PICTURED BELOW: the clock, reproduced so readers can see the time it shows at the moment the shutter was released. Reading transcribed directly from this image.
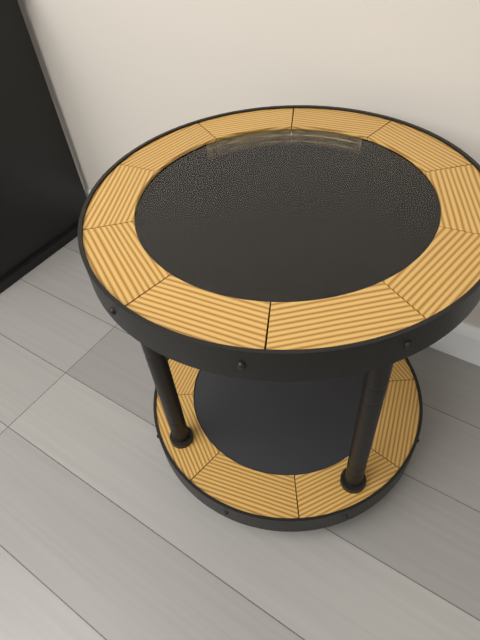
8:59
